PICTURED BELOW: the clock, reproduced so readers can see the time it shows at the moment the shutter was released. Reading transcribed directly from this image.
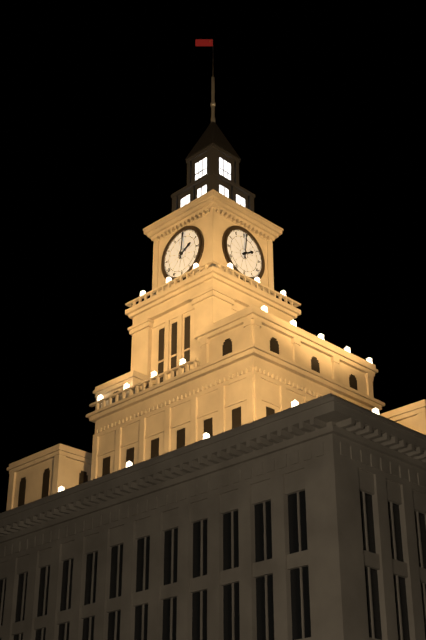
2:01
